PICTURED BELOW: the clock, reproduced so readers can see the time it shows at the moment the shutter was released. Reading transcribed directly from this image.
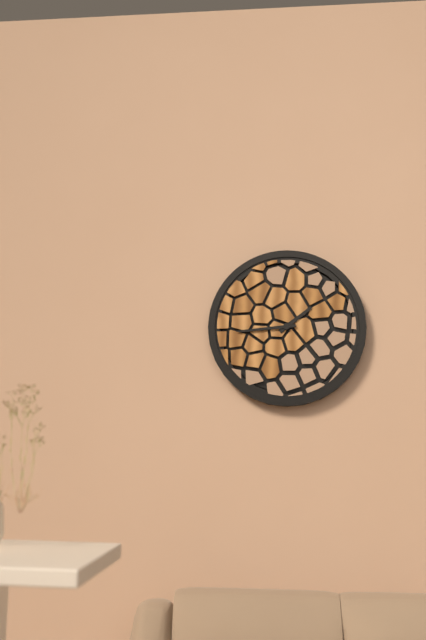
1:44
